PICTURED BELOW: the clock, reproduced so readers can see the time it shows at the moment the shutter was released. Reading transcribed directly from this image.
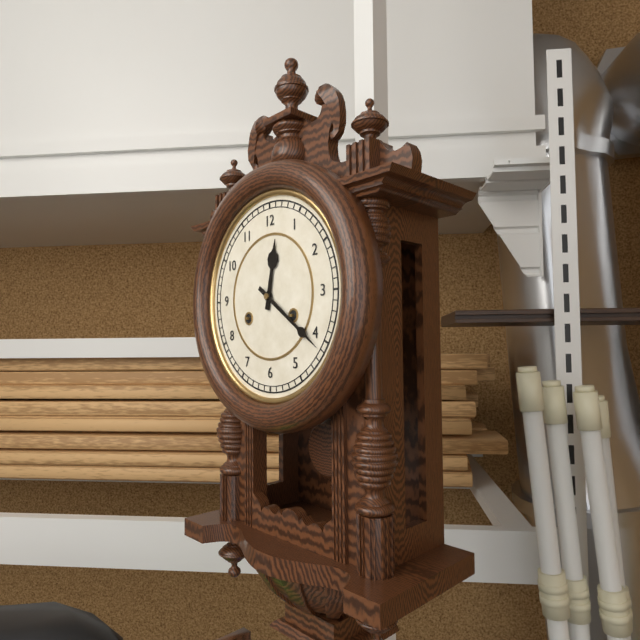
12:21
